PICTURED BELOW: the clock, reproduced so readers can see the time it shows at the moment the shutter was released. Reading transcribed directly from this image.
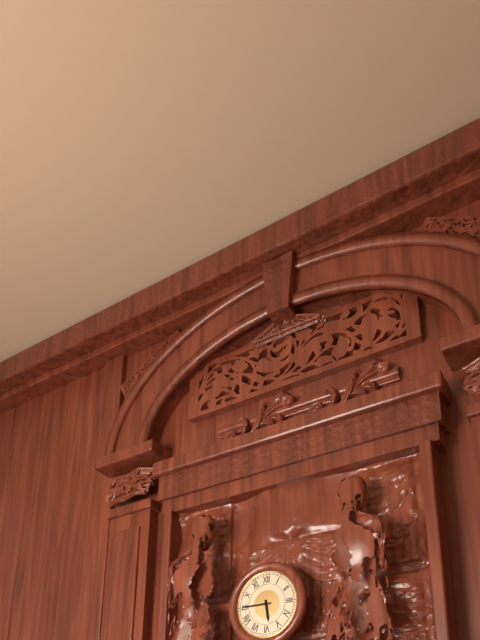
5:45
